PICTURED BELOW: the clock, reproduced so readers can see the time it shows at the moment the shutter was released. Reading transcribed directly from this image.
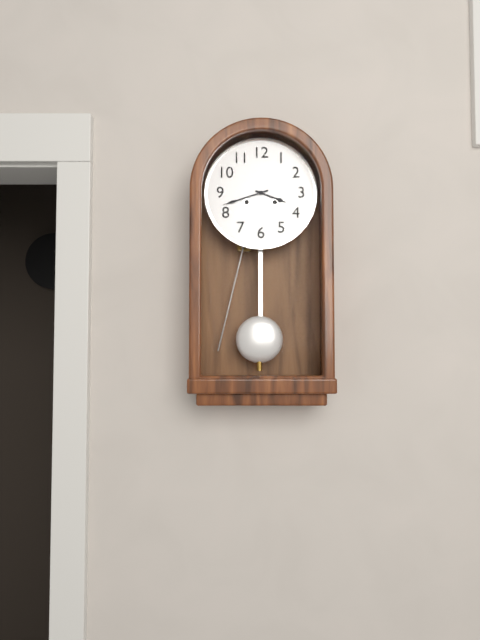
3:42
